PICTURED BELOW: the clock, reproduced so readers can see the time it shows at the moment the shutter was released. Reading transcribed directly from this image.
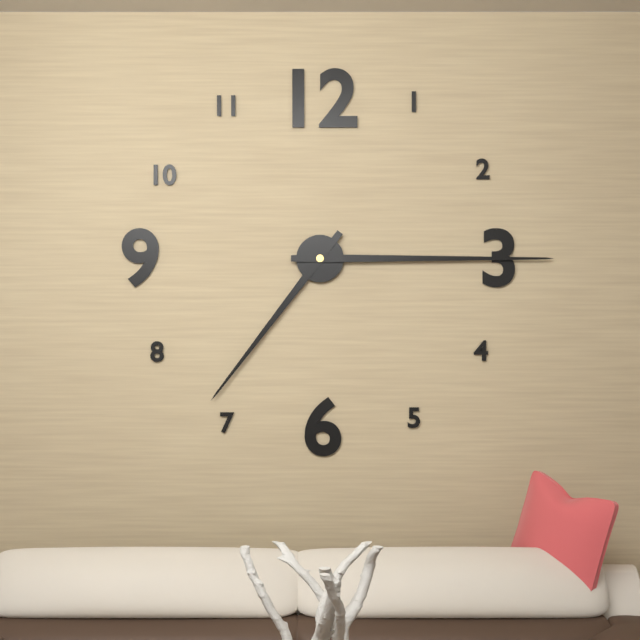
7:15
